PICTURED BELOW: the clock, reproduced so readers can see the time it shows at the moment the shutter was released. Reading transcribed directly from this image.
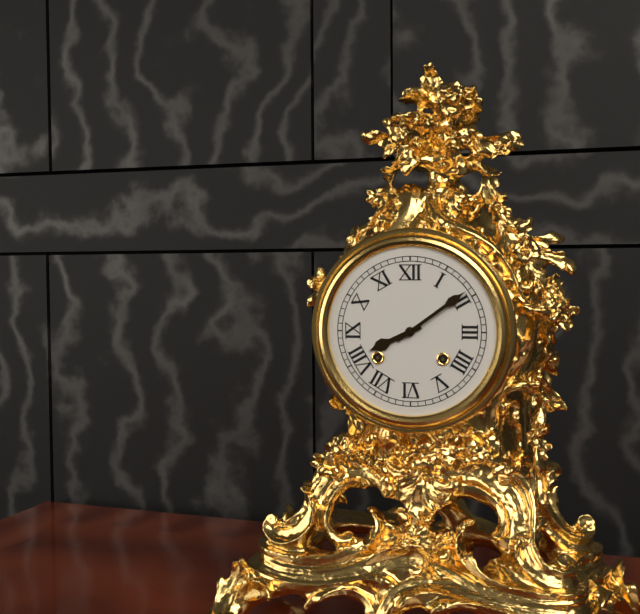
8:09
